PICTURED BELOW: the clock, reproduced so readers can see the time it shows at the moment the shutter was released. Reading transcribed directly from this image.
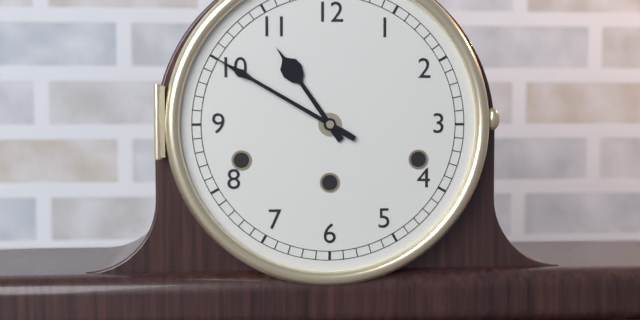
10:50
